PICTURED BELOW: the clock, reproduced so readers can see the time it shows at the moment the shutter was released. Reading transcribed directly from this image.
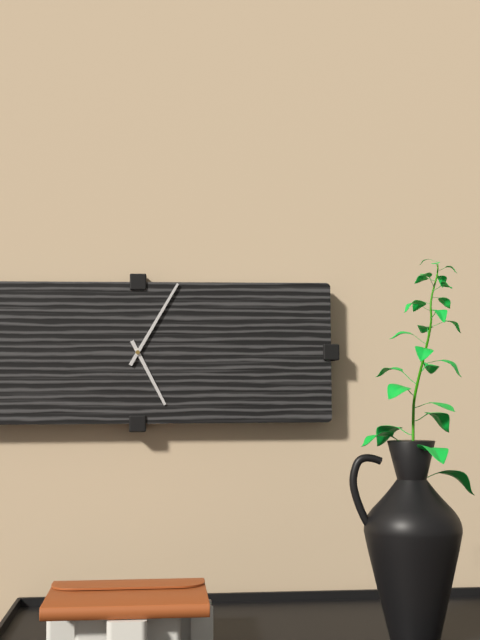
5:05
